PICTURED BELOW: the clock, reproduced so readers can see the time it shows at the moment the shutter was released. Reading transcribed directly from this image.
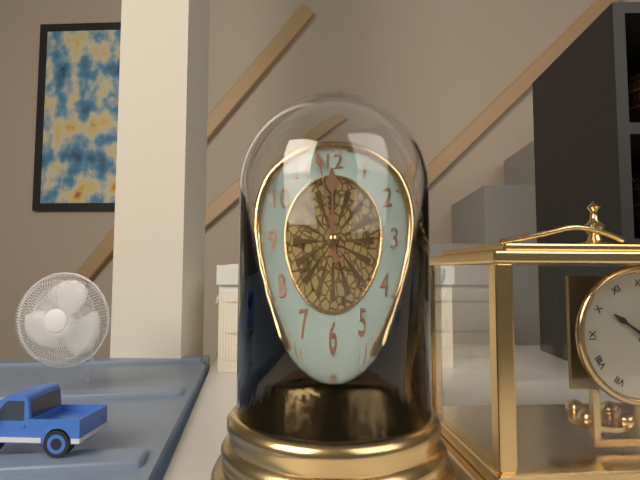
11:58
